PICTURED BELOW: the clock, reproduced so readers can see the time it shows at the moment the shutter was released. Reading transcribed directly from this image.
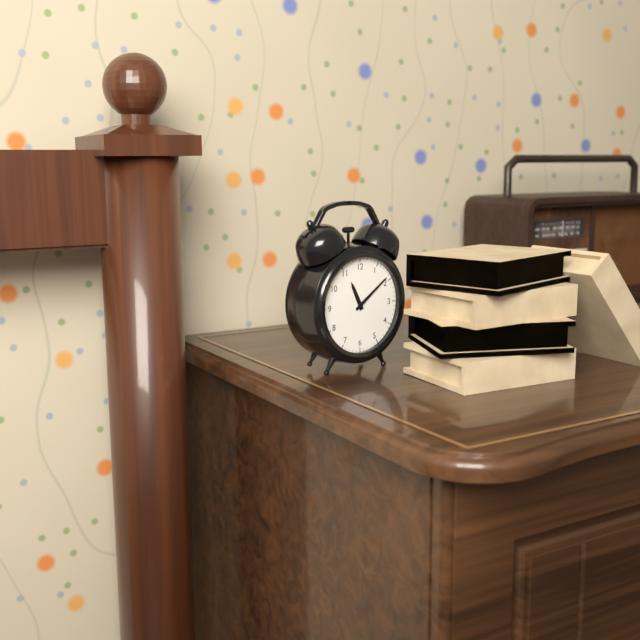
11:09
